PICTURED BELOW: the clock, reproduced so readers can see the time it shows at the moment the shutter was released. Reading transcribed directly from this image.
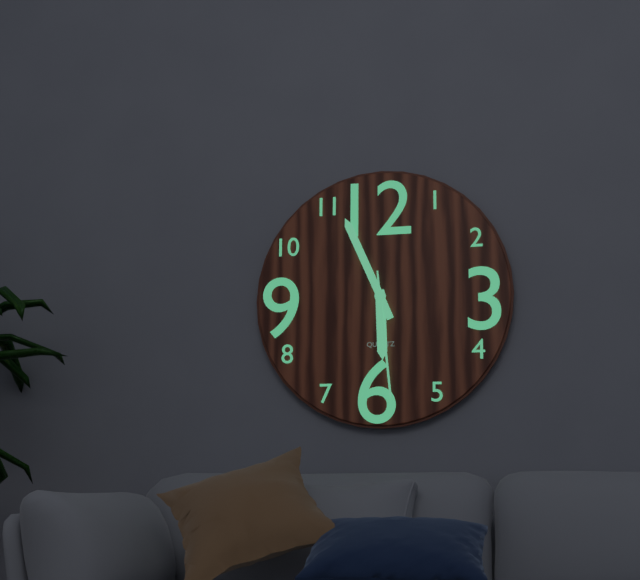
5:56:29
